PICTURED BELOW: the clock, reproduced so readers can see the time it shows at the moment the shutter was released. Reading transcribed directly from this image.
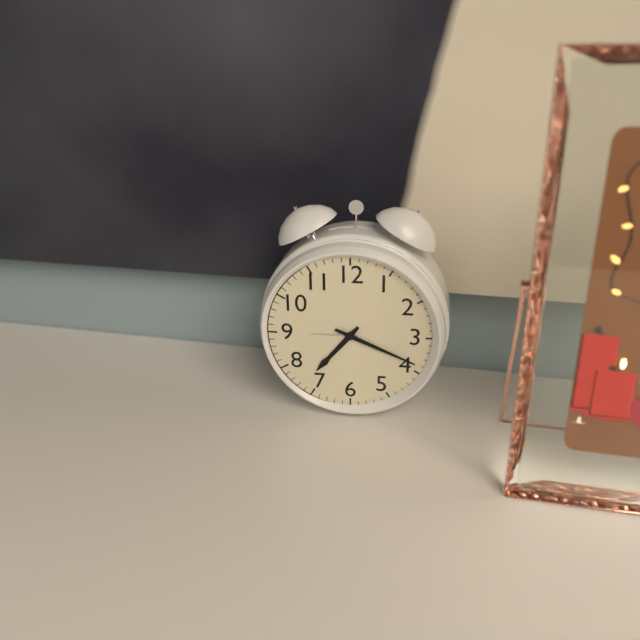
7:19
